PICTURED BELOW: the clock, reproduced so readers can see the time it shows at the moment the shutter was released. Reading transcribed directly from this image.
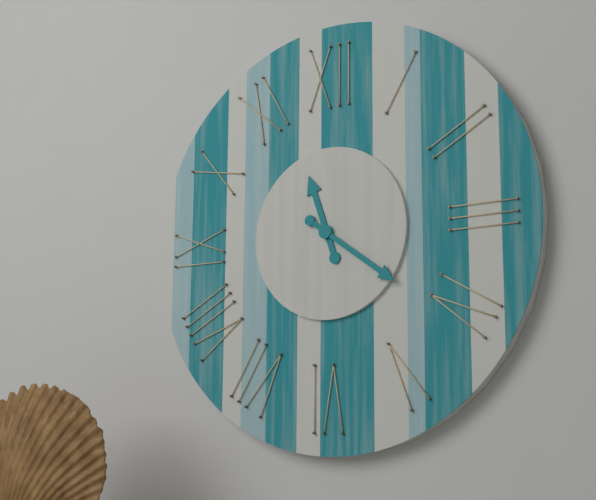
11:21
